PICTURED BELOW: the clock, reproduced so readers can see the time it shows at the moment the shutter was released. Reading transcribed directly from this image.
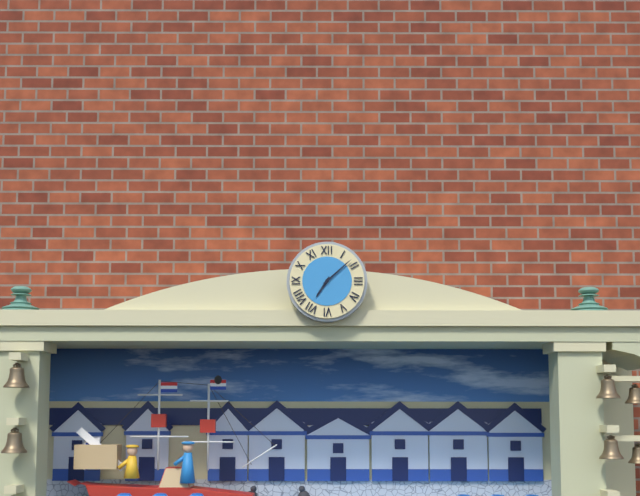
7:08
